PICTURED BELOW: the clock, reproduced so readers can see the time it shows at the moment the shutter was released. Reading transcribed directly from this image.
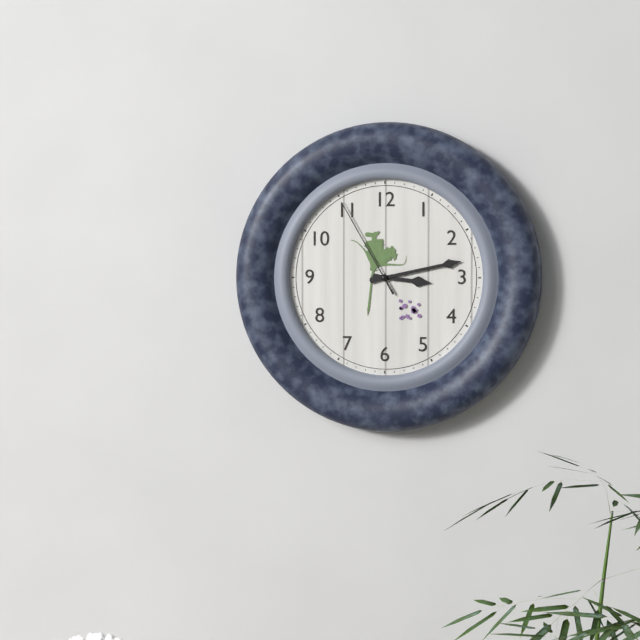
3:13:55
